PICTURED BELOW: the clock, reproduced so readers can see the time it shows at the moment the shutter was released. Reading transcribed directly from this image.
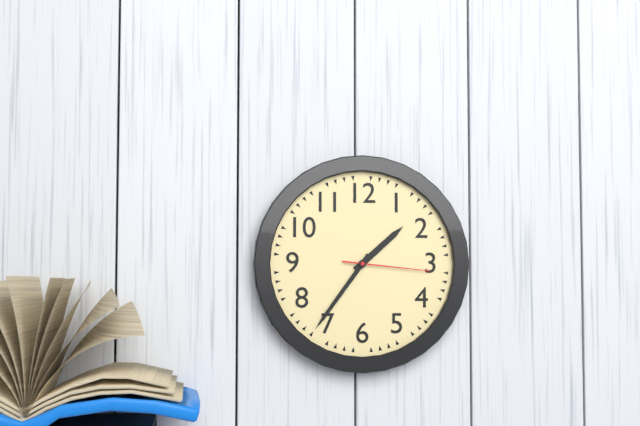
1:36:16
